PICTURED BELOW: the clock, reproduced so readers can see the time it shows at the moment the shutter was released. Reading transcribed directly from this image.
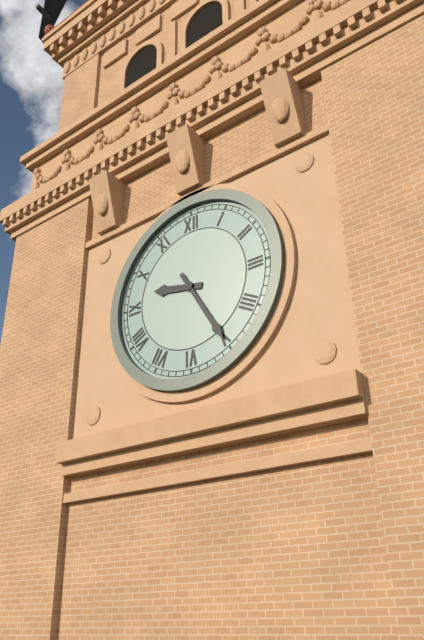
9:25
